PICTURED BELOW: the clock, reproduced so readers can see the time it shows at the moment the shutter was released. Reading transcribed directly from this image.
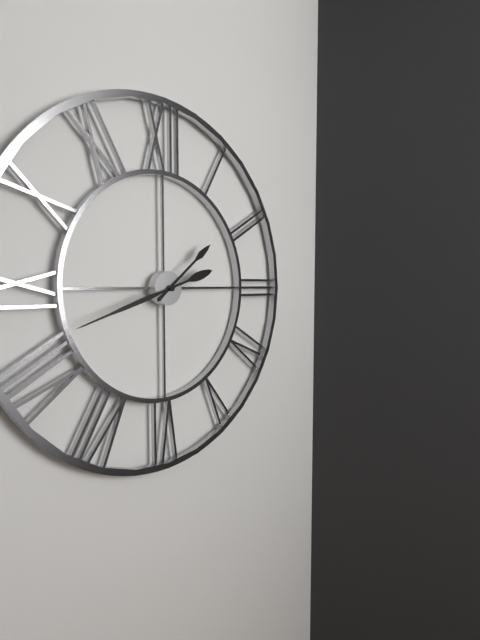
1:42
